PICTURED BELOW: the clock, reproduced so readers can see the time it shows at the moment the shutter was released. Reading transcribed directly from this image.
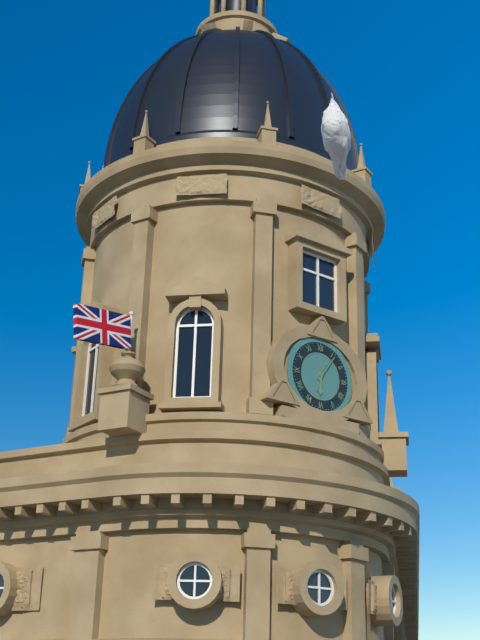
6:06
